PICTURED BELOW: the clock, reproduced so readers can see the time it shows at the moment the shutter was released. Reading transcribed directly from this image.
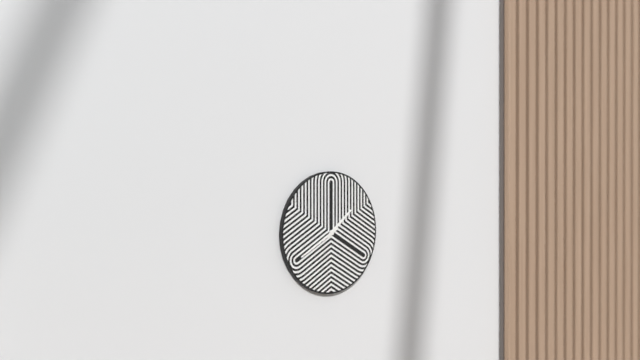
1:40
